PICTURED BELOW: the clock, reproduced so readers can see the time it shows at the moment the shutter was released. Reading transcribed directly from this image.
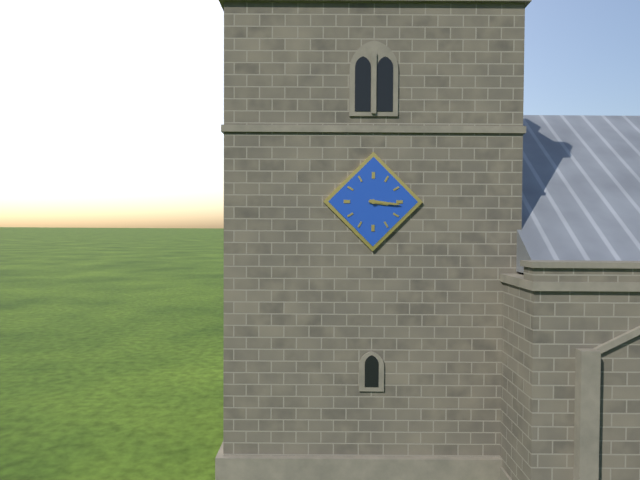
3:16
